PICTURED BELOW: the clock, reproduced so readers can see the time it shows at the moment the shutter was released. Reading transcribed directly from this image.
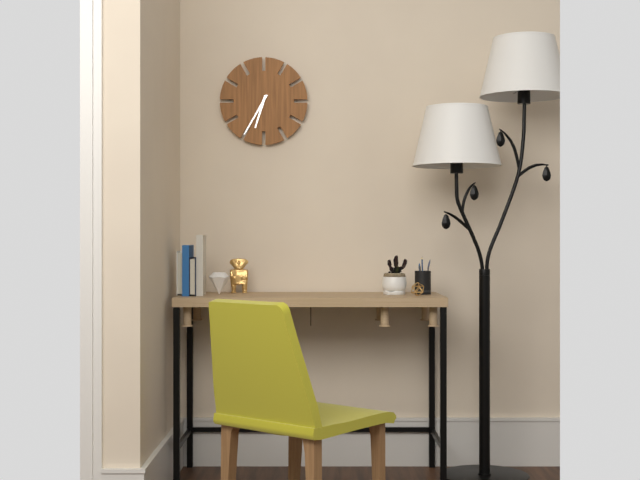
6:35
